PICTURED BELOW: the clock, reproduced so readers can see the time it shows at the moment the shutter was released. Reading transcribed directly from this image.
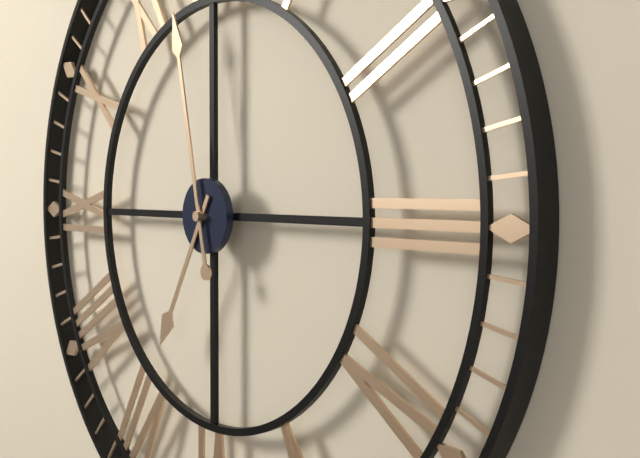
6:58
